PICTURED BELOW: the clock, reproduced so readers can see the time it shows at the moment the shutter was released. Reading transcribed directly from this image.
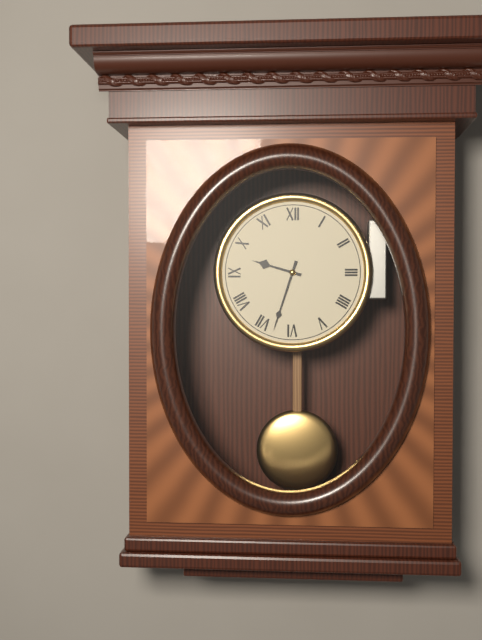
9:33
